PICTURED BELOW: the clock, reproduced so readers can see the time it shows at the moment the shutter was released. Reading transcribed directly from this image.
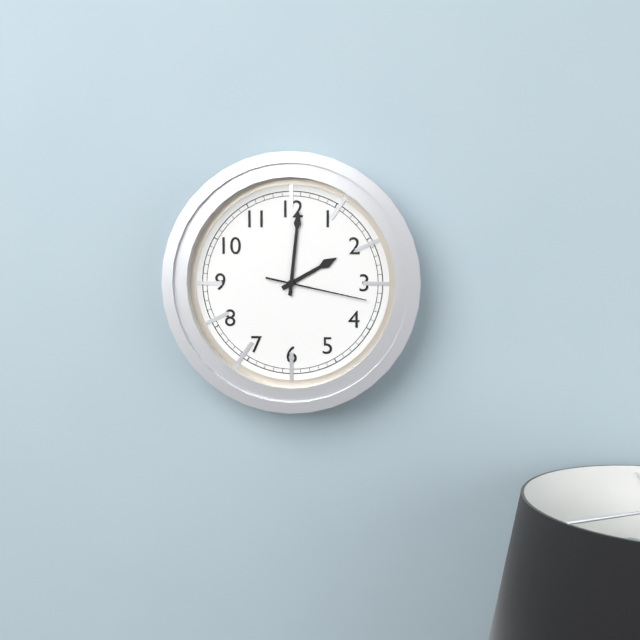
2:01:17
